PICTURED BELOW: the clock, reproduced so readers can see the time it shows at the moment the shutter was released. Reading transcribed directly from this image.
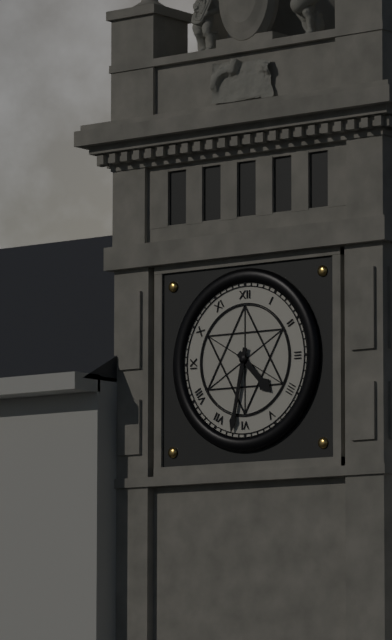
4:32
